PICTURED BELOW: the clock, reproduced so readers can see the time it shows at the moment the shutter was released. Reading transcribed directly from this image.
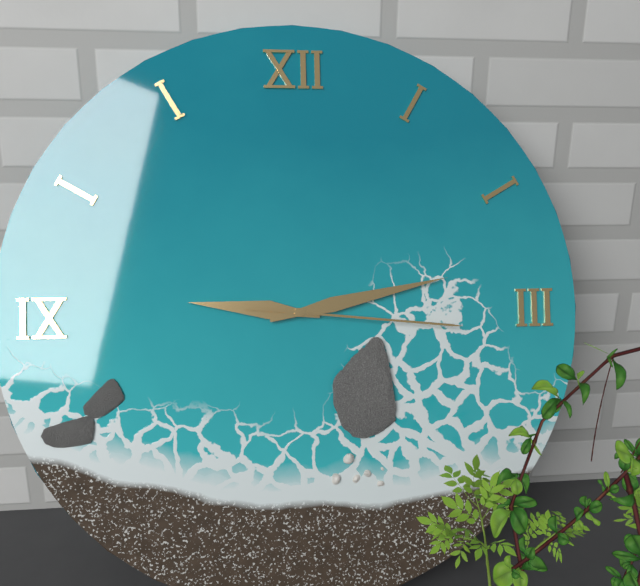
9:13:16
